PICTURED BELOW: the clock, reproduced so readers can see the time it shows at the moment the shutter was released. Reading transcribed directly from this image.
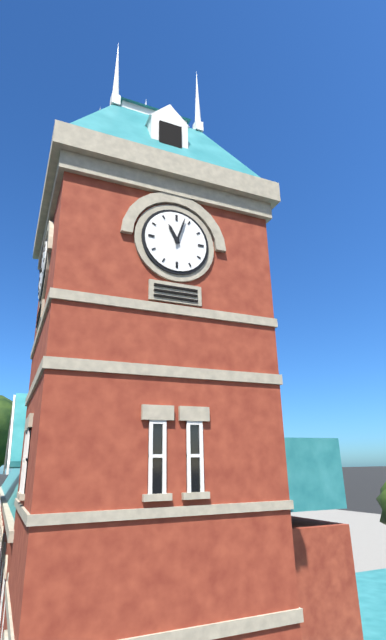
11:03
